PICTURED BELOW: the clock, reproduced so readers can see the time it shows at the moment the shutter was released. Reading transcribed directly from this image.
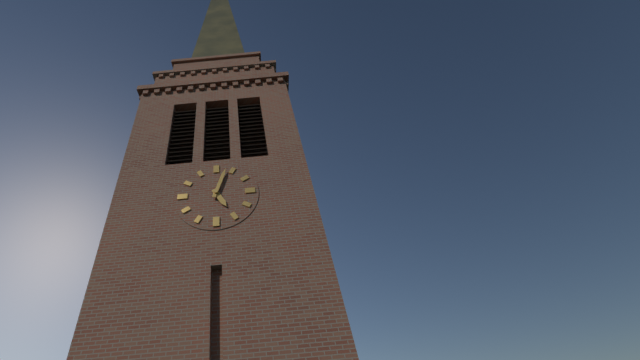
5:03
